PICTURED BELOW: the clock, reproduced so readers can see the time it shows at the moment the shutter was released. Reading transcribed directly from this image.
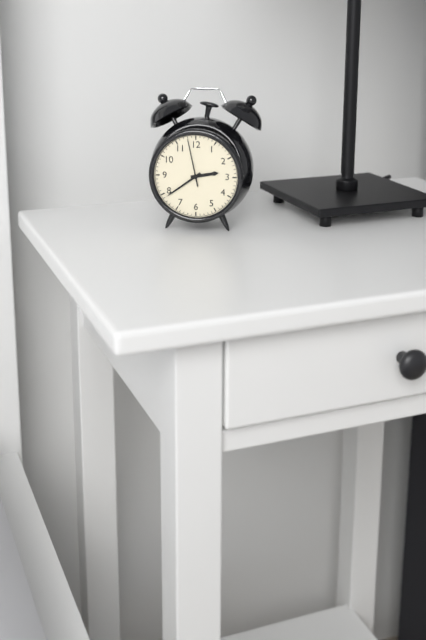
2:39
